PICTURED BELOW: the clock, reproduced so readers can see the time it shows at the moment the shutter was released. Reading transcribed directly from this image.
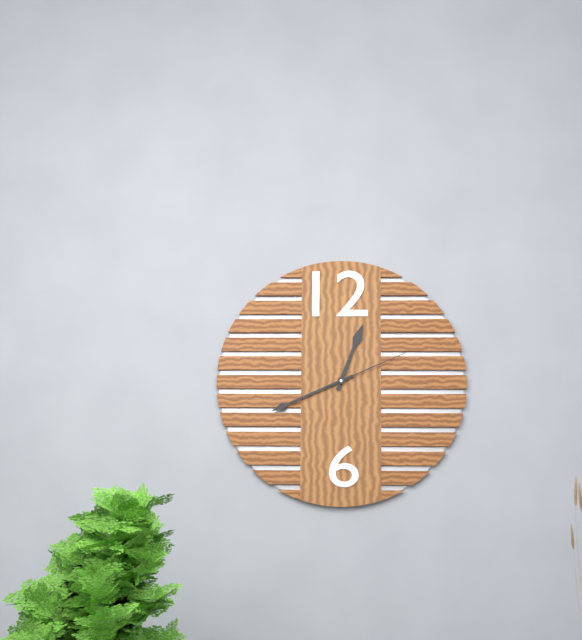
12:41:11
